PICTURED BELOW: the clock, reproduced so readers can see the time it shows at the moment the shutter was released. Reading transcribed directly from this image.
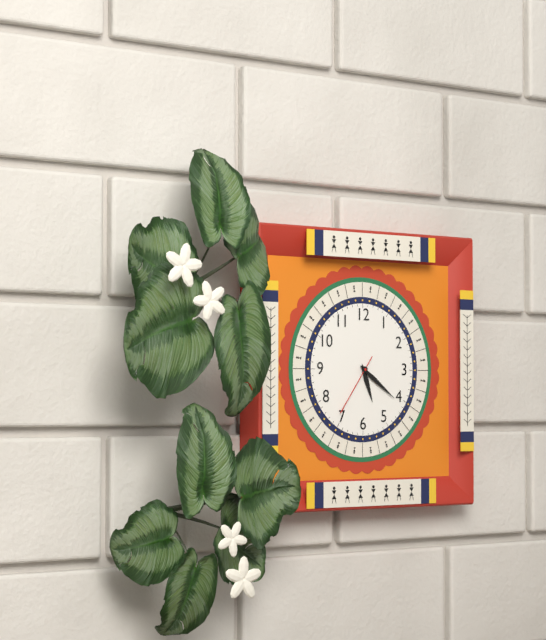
5:21:36
